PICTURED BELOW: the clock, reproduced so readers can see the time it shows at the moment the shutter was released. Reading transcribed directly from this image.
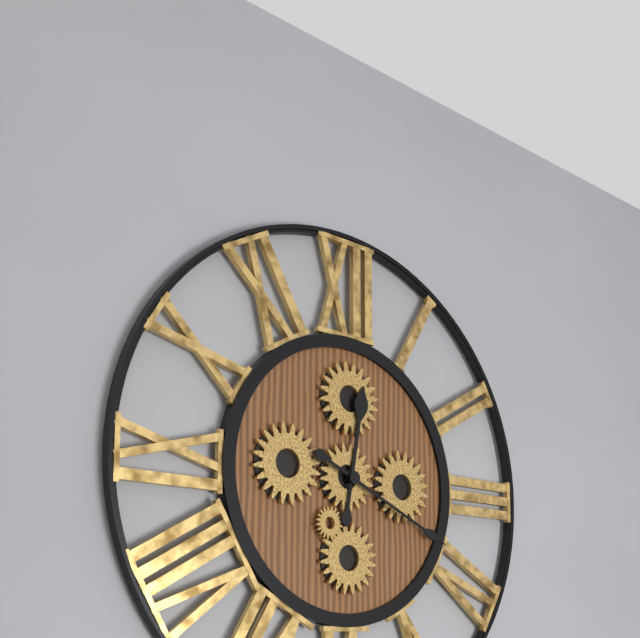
12:19
